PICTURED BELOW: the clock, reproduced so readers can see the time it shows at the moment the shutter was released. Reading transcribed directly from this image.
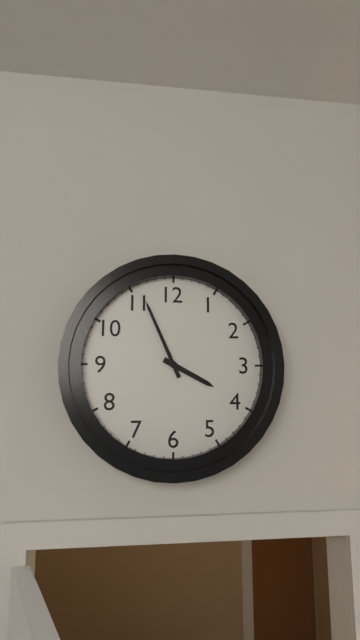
3:56
